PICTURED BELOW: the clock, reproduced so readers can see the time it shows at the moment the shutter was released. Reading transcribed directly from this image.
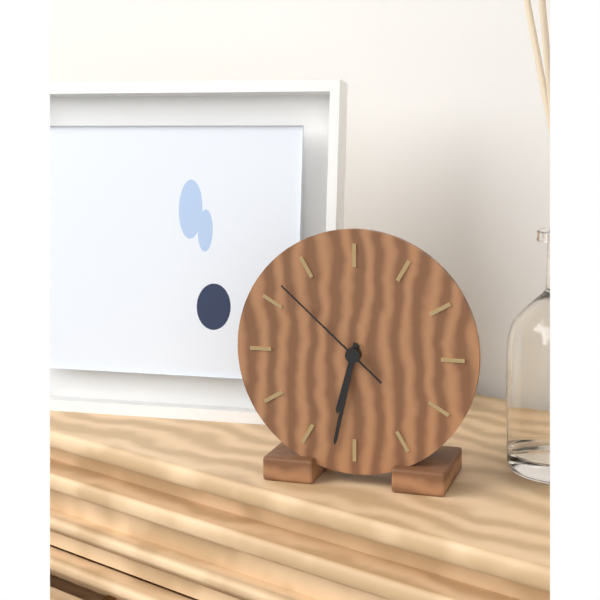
6:32:52
